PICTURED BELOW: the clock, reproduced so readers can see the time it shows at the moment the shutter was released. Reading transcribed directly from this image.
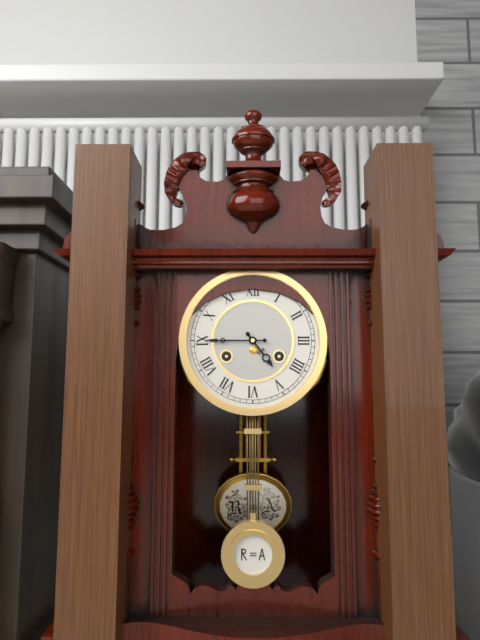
4:45
